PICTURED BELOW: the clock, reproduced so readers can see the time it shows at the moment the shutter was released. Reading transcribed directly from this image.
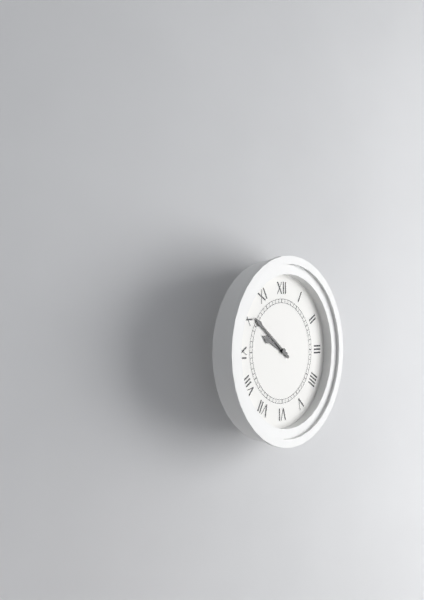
9:51
